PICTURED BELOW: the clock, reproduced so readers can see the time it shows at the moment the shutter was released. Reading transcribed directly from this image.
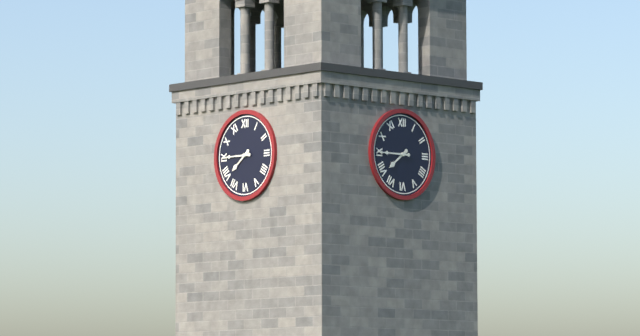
7:45
